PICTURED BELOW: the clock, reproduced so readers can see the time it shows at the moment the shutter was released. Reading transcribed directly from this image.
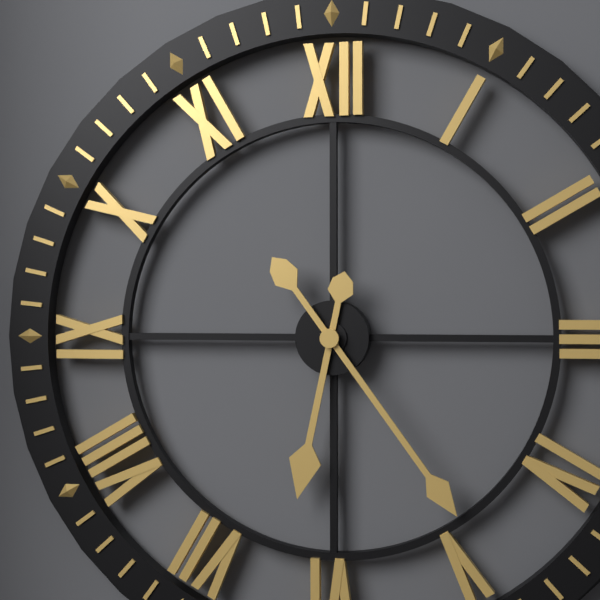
6:24
